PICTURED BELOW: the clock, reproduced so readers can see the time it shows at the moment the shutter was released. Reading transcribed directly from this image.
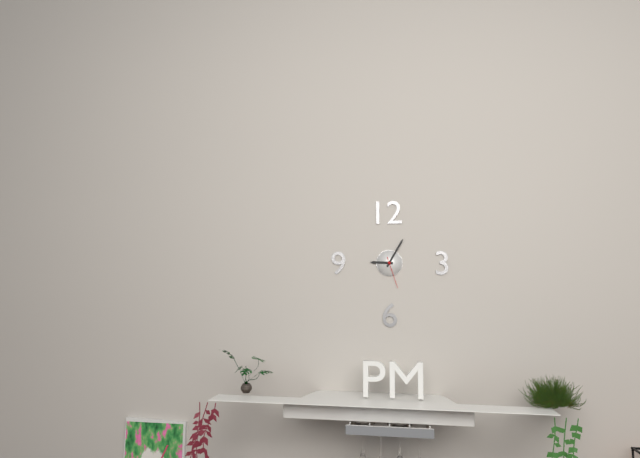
9:05
